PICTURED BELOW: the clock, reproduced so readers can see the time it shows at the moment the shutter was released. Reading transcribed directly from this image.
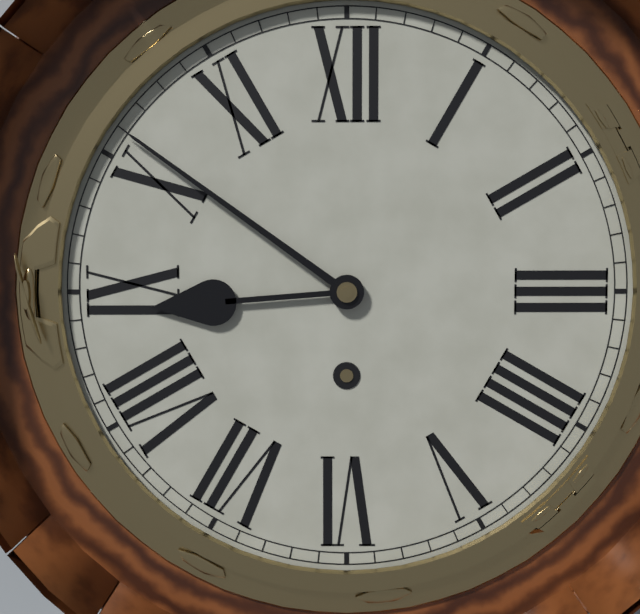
8:51
